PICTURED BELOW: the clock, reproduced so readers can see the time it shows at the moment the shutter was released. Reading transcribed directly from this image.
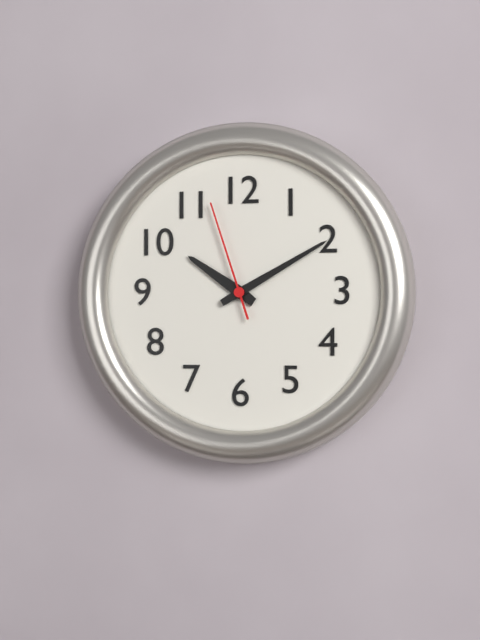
10:10:57
